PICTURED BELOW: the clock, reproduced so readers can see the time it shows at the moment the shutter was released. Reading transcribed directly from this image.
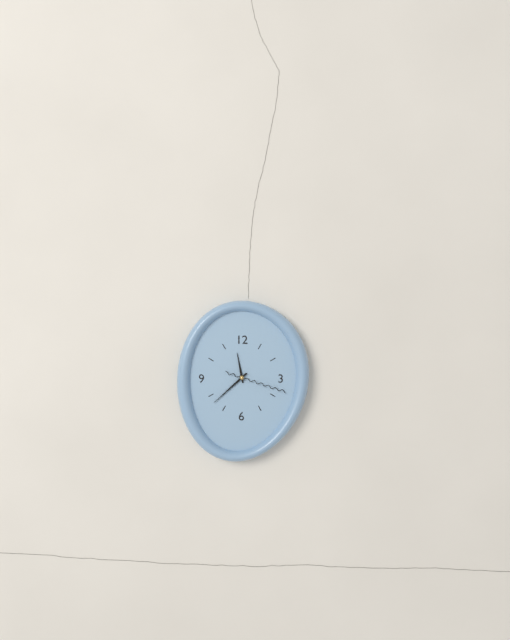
11:38:18
